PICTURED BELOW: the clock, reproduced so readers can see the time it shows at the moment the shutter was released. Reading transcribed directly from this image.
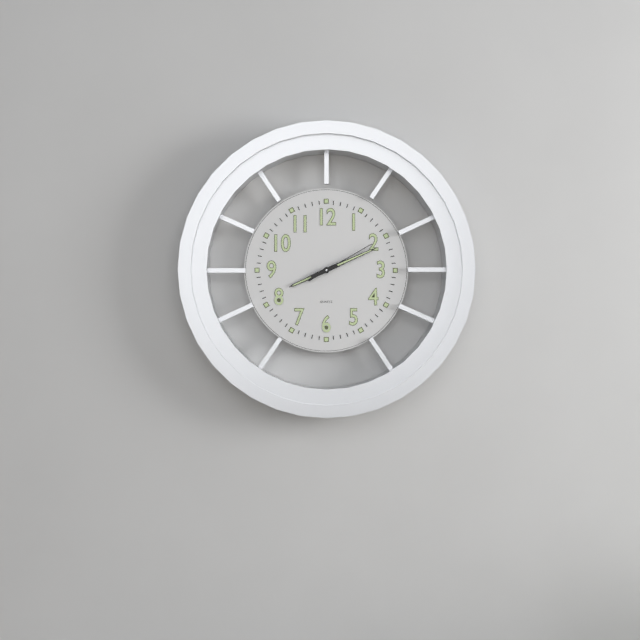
8:11:10
